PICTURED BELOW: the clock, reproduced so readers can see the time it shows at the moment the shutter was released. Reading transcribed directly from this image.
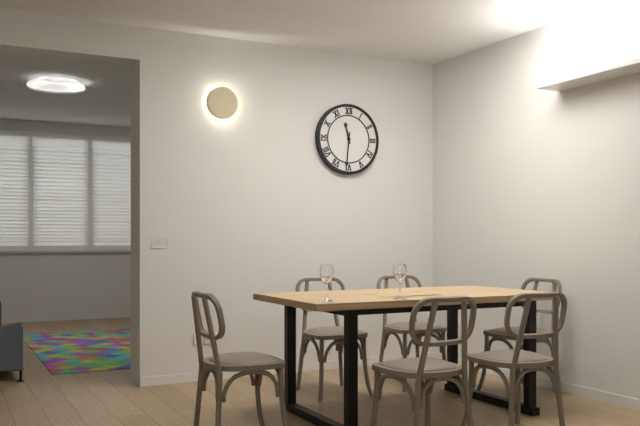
11:31
